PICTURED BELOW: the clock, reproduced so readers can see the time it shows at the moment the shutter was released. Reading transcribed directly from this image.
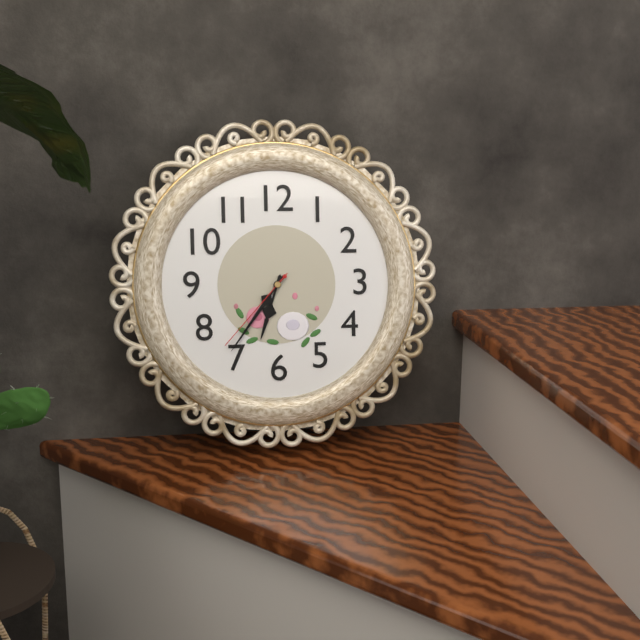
6:36:37
